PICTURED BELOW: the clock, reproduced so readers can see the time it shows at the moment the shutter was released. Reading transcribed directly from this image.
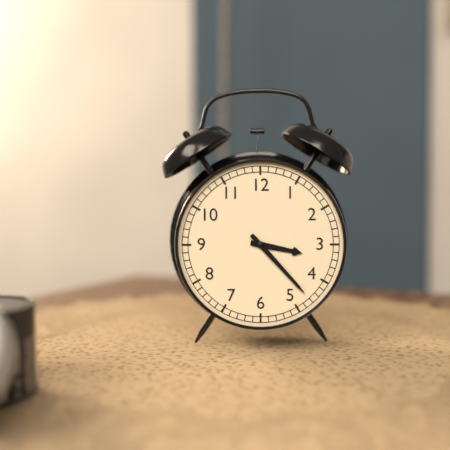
3:23
